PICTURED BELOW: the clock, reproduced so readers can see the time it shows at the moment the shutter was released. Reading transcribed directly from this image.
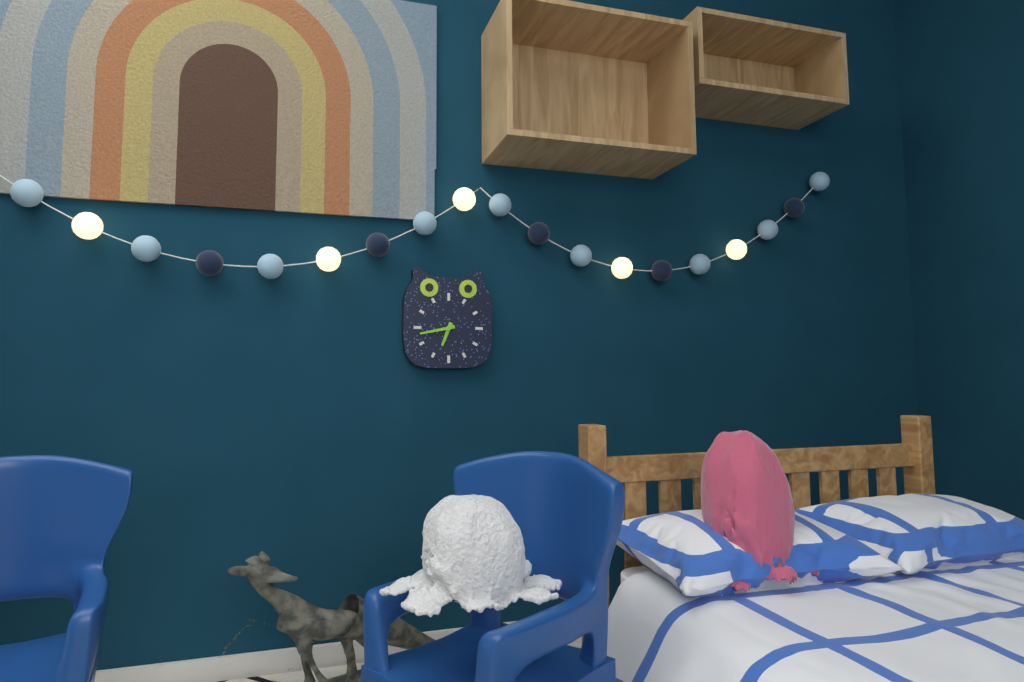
6:43
